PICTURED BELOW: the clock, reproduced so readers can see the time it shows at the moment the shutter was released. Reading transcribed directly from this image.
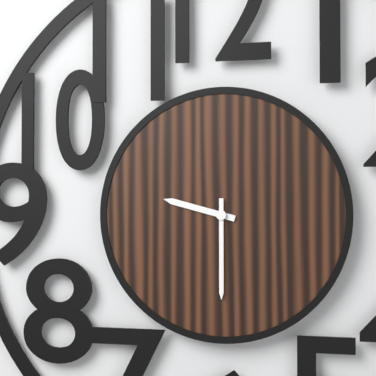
9:30
